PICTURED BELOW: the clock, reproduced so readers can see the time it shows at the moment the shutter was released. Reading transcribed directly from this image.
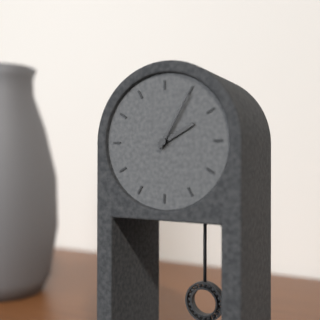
2:05
